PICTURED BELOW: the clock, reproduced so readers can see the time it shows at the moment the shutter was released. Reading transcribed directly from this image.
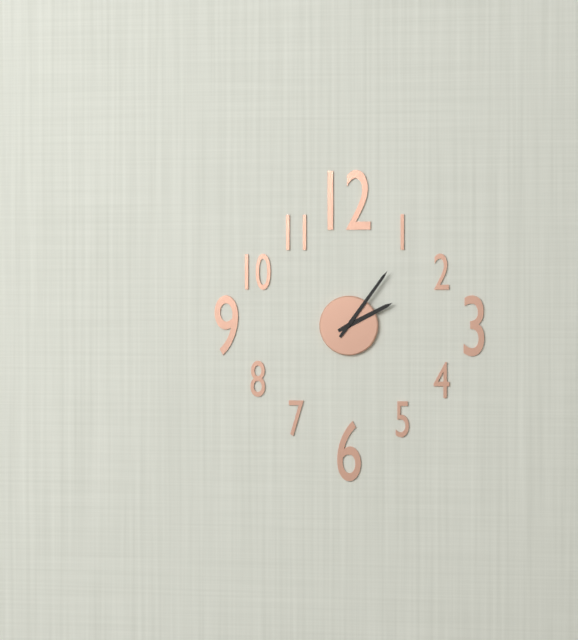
2:06
